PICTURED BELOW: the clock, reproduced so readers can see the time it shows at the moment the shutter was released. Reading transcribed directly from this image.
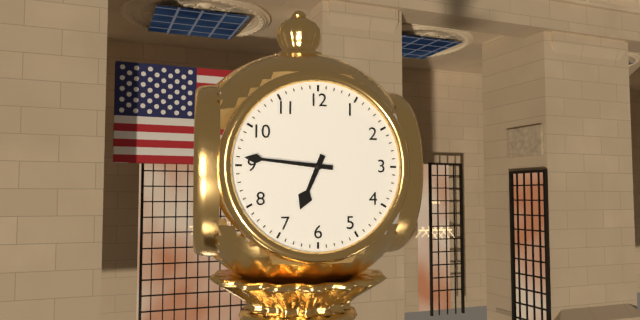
6:46
